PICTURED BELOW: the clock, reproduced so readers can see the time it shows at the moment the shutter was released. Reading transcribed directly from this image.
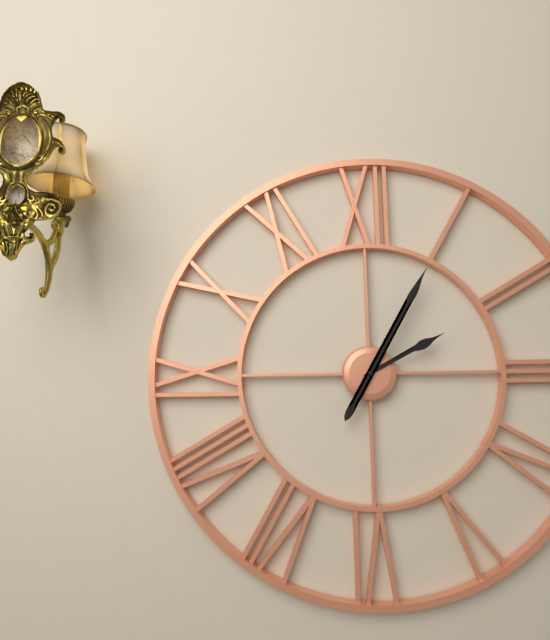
2:05
